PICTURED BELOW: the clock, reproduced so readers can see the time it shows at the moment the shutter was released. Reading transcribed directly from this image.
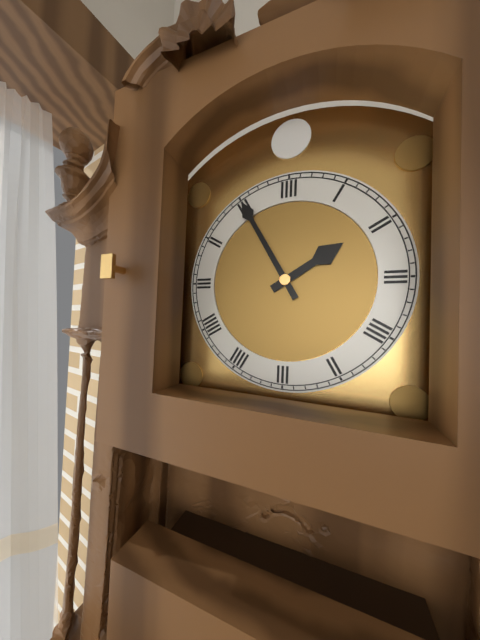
1:55
